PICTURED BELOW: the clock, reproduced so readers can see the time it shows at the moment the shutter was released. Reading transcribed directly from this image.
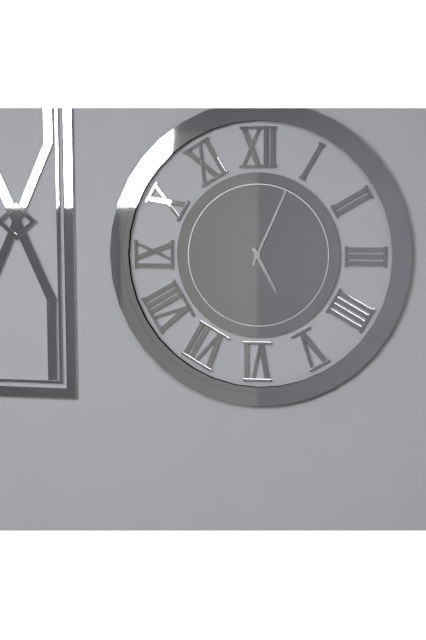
5:04
